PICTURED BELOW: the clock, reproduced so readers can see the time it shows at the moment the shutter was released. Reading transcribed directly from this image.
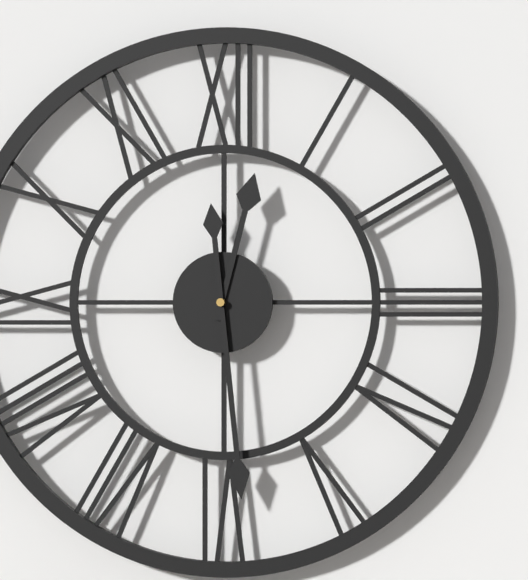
12:29
